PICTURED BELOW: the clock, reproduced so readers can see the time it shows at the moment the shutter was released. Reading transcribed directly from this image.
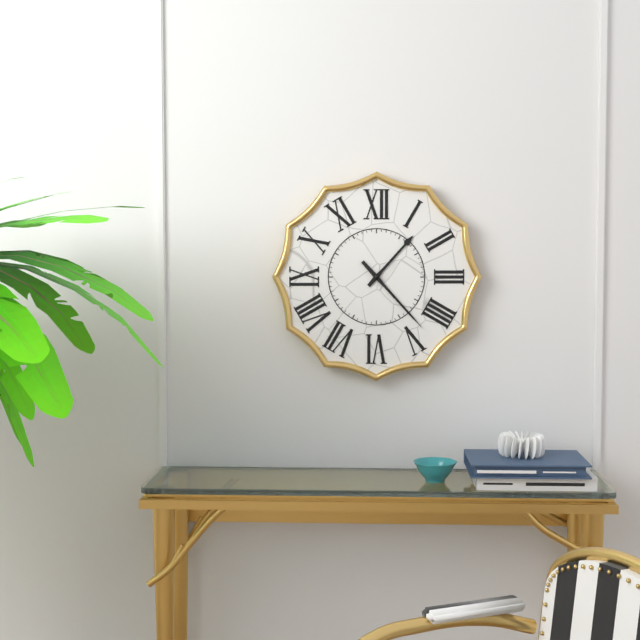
1:23
